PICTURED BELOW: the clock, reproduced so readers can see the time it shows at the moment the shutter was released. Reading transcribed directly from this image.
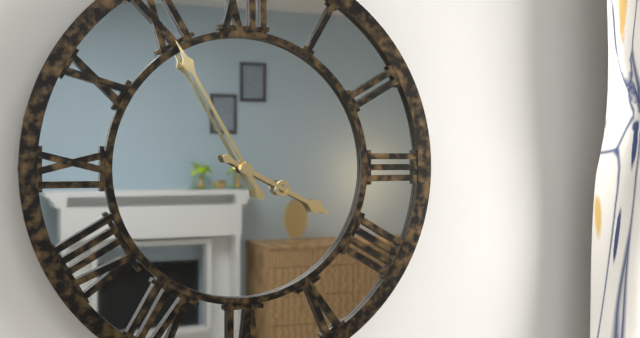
3:55
